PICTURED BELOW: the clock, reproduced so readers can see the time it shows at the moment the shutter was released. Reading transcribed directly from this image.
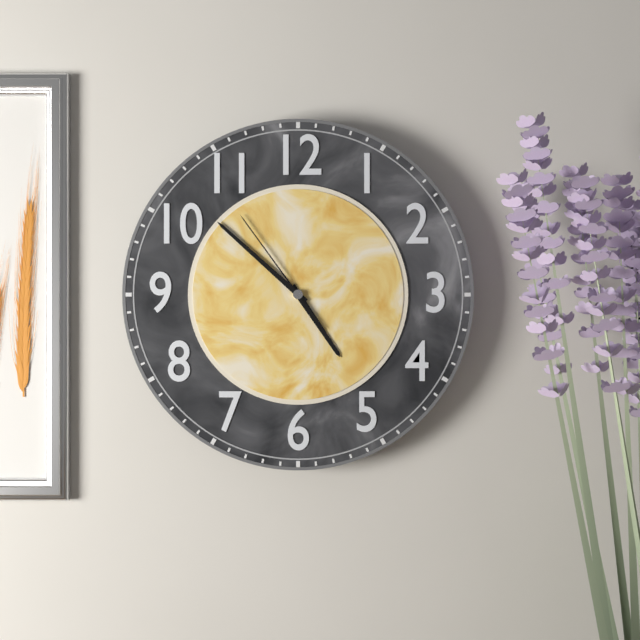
4:52:54
